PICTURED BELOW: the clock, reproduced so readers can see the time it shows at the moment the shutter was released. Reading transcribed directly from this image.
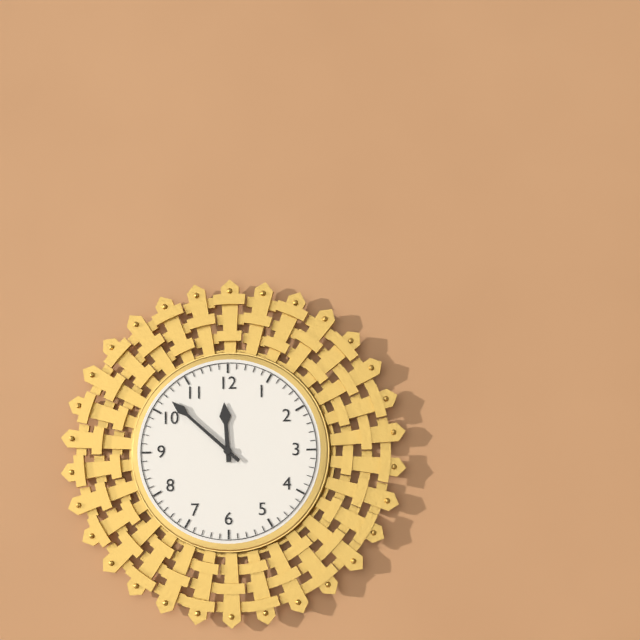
11:52
